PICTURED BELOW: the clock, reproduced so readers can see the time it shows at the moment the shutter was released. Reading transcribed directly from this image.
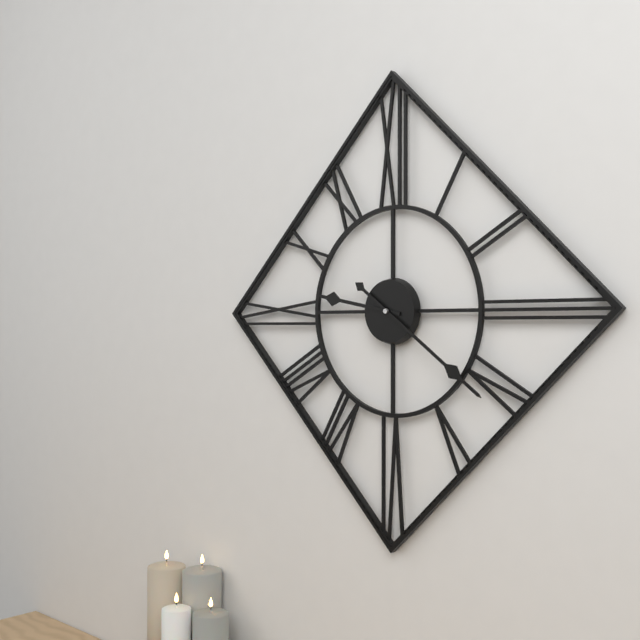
9:21
